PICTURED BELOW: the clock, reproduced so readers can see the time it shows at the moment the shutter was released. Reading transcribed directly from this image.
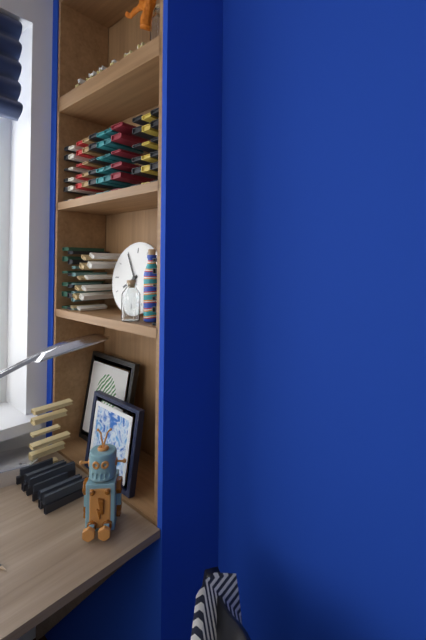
7:55
